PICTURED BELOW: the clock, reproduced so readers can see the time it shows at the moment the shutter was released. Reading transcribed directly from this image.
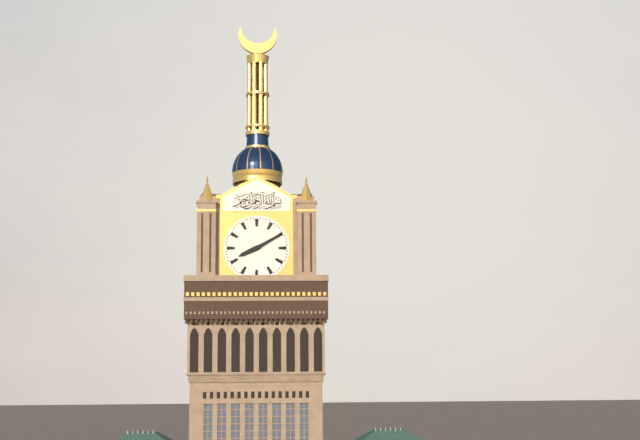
8:10
